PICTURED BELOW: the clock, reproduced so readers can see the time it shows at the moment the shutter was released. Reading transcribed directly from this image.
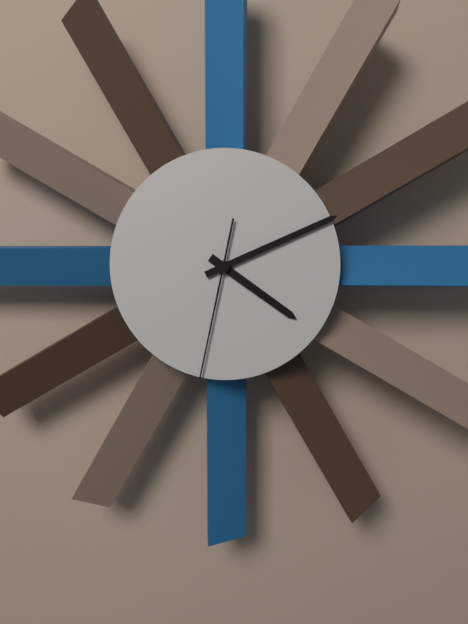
4:11:32
